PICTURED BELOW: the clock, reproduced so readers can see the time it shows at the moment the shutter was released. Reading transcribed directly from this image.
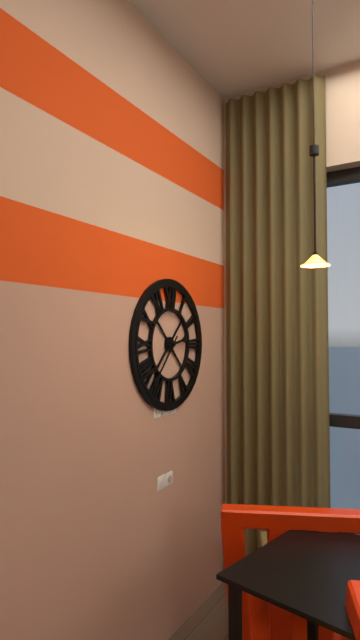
2:37
